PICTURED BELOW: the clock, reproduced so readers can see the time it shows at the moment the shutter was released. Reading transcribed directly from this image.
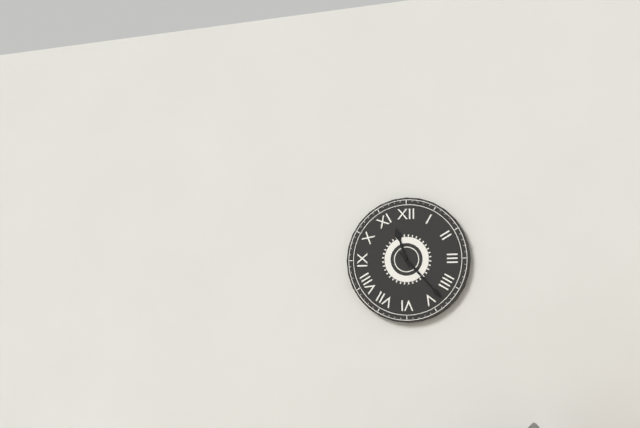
11:23
